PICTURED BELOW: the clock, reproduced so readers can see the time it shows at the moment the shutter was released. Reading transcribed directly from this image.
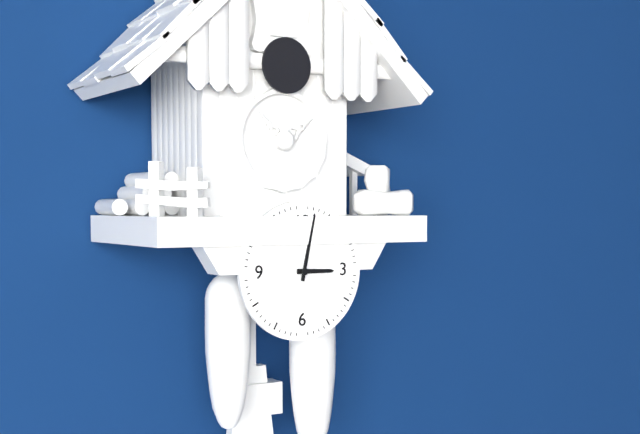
3:02
